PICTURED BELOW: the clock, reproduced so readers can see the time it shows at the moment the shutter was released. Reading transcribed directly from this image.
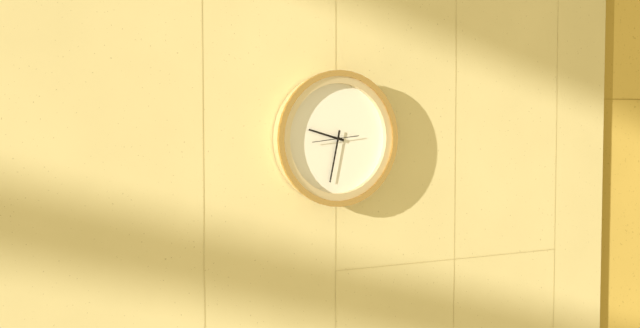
9:32
